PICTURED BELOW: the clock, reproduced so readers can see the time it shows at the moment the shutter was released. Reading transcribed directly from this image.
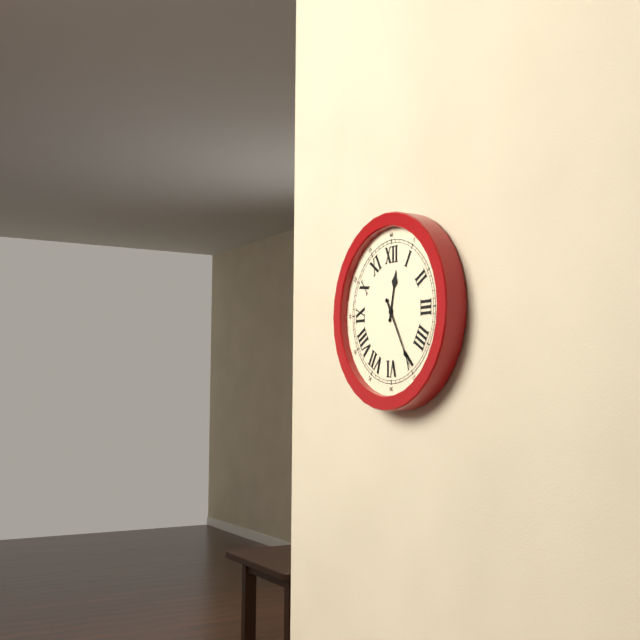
12:25
